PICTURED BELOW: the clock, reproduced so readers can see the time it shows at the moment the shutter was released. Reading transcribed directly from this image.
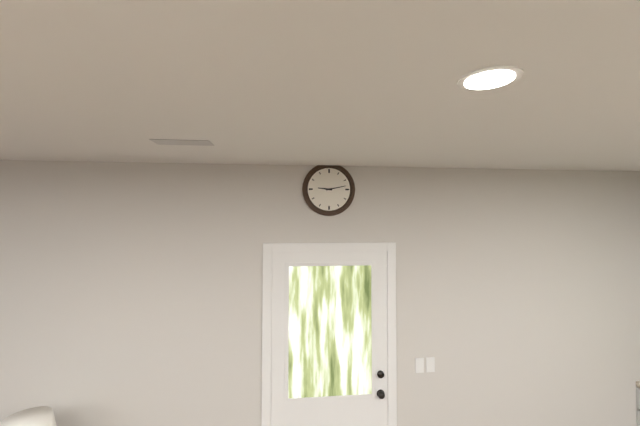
9:13
